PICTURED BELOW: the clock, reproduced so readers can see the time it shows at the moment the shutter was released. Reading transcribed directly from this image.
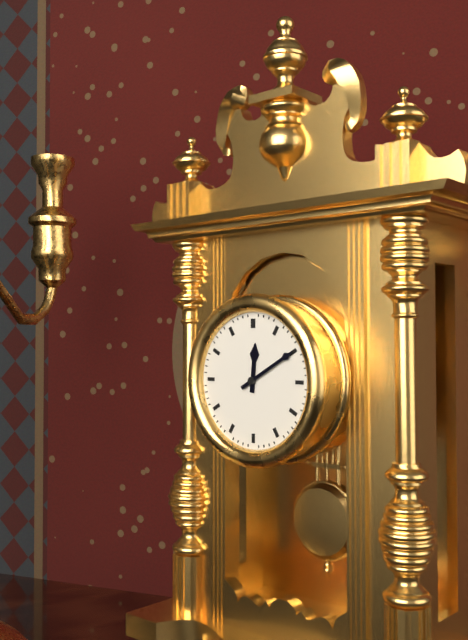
12:10
